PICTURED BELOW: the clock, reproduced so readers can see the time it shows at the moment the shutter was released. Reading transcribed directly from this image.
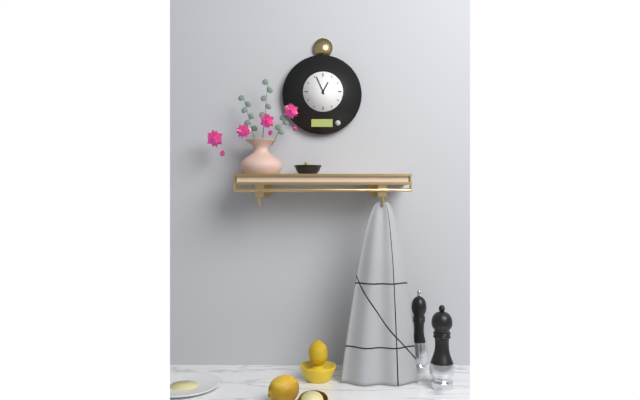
12:56
